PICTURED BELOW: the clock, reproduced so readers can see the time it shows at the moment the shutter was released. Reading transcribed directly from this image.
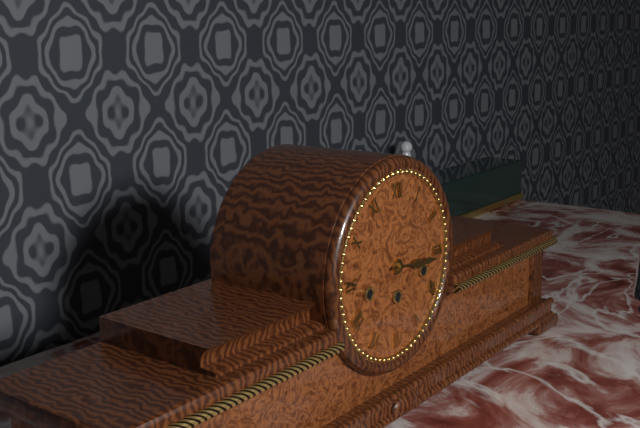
3:16
